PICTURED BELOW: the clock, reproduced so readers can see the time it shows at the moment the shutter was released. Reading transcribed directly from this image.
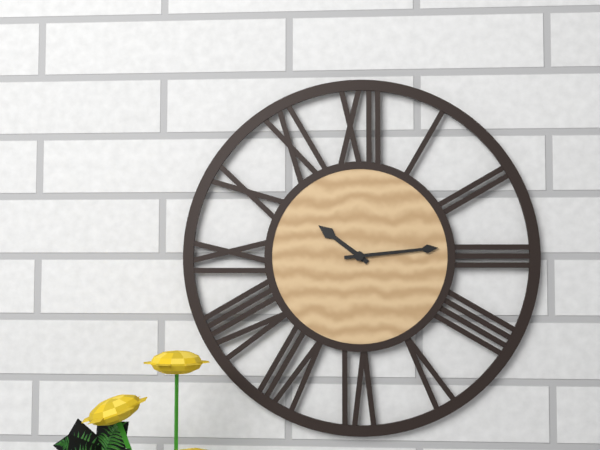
10:14
